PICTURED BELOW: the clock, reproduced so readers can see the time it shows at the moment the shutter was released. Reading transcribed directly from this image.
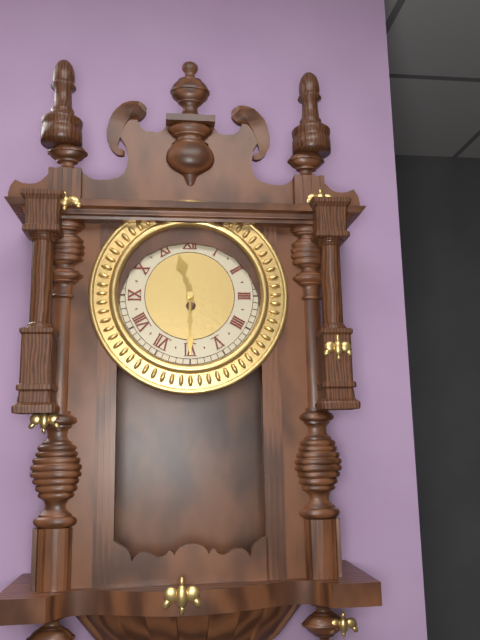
11:30
